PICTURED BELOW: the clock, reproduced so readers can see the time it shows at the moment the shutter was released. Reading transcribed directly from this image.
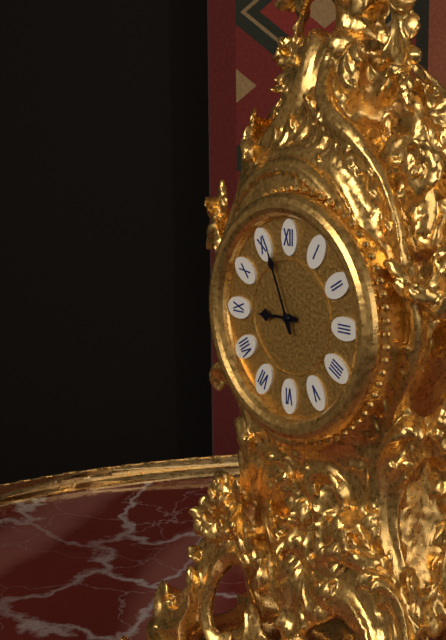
8:56
